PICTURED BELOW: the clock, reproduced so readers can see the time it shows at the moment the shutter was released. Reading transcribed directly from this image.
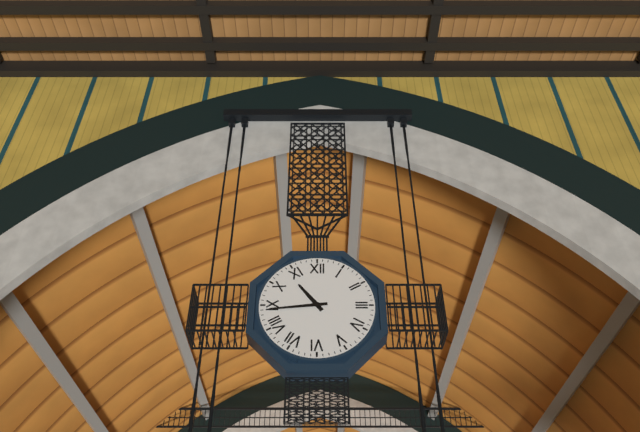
10:44
